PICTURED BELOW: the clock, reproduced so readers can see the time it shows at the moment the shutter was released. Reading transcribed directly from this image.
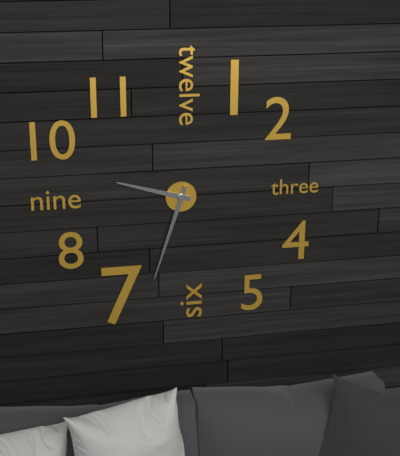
9:33
